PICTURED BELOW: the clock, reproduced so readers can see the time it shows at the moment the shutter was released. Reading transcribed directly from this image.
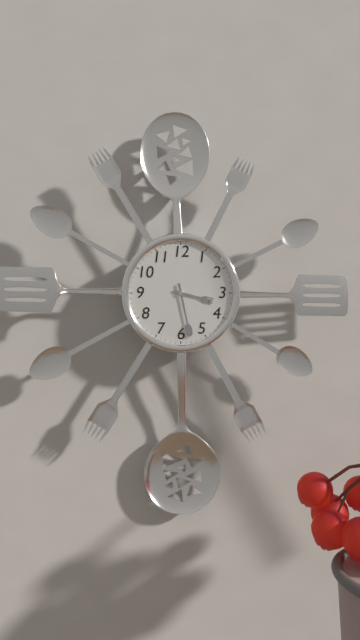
3:28
